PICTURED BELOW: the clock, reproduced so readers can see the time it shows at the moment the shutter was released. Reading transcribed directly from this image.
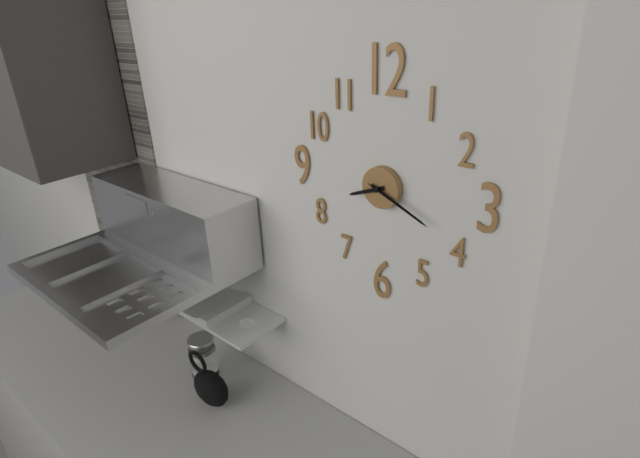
8:19:19
